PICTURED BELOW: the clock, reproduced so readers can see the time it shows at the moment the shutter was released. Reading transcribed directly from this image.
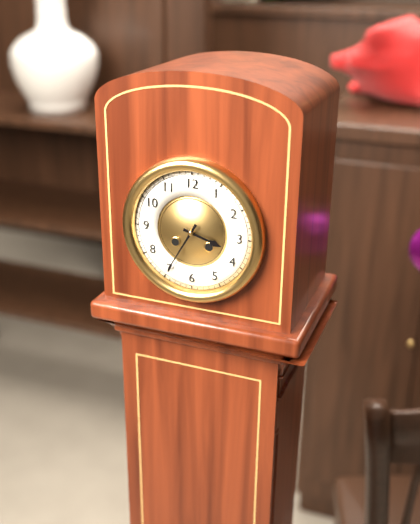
3:35
